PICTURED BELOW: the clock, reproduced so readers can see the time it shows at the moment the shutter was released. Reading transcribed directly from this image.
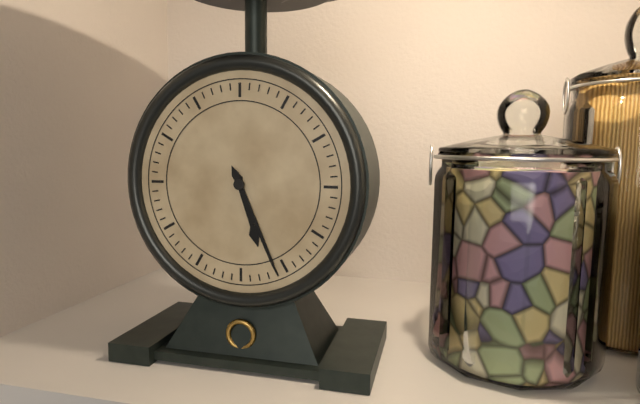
5:26
